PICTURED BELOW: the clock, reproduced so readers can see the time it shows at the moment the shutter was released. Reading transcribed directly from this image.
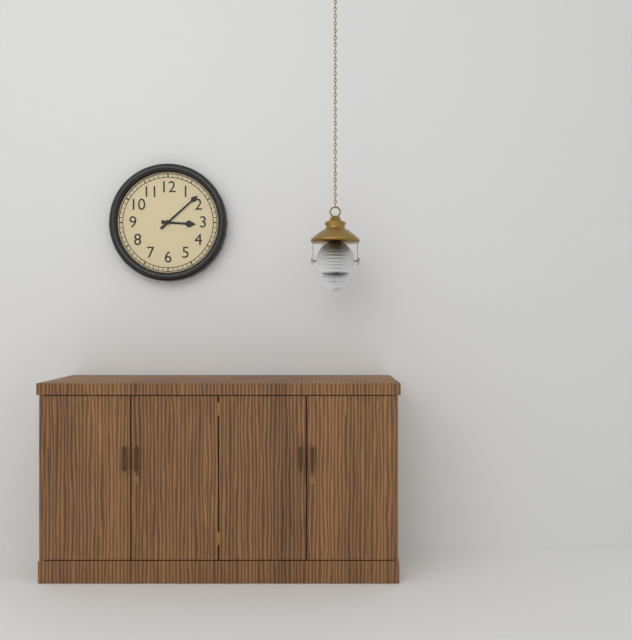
3:08
